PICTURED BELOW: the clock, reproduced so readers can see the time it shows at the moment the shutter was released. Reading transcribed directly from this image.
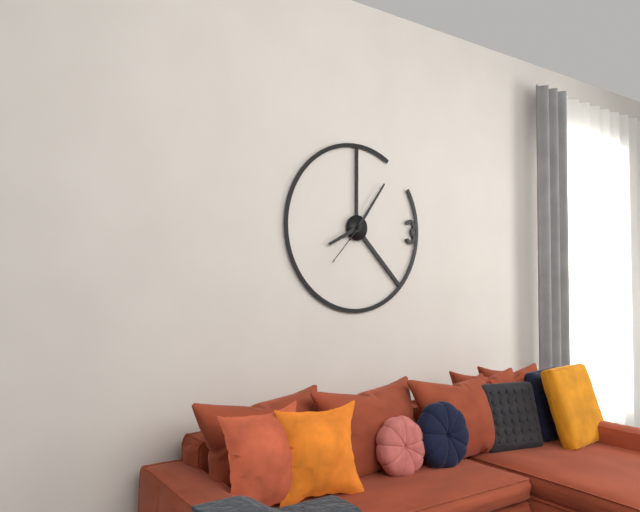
8:06:37
